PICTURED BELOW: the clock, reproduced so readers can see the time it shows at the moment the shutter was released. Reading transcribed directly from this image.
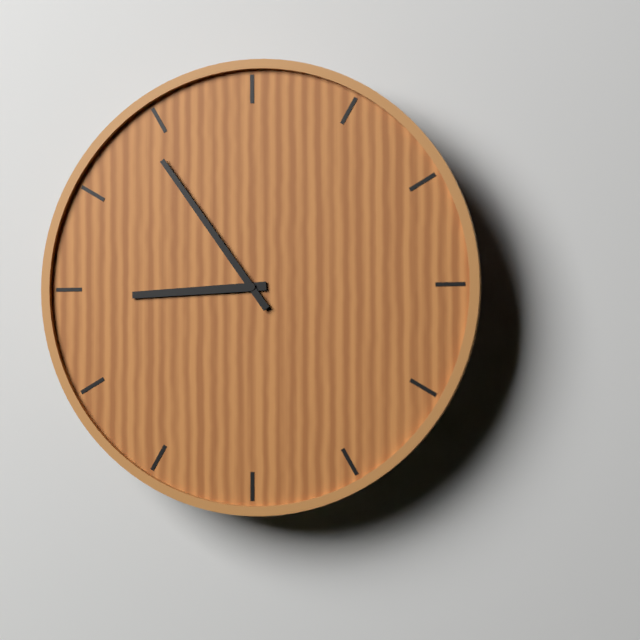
8:54
